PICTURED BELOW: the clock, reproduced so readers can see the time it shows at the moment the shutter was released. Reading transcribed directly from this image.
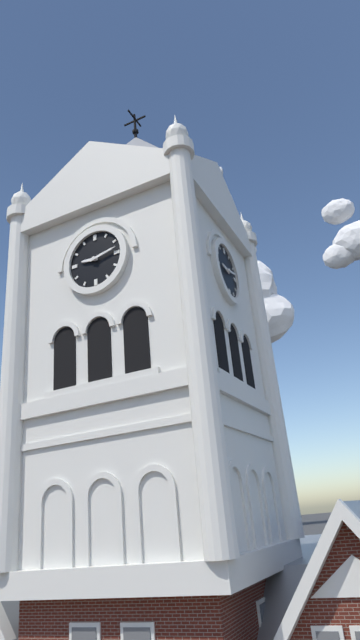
9:13
